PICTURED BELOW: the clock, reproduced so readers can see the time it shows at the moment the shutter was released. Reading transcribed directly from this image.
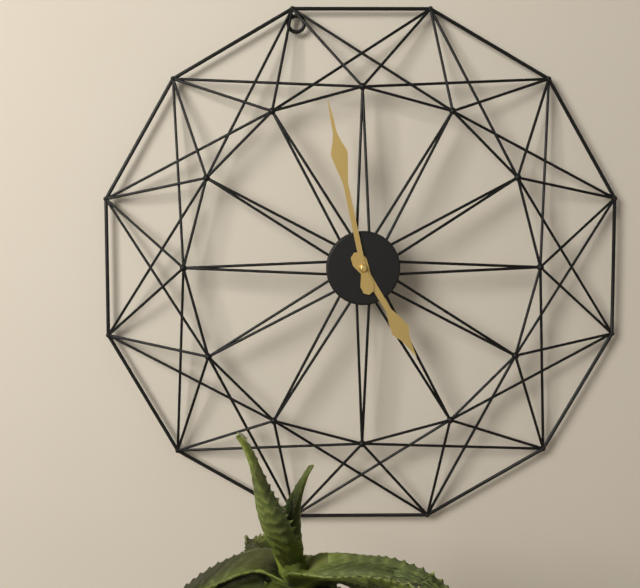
4:58
